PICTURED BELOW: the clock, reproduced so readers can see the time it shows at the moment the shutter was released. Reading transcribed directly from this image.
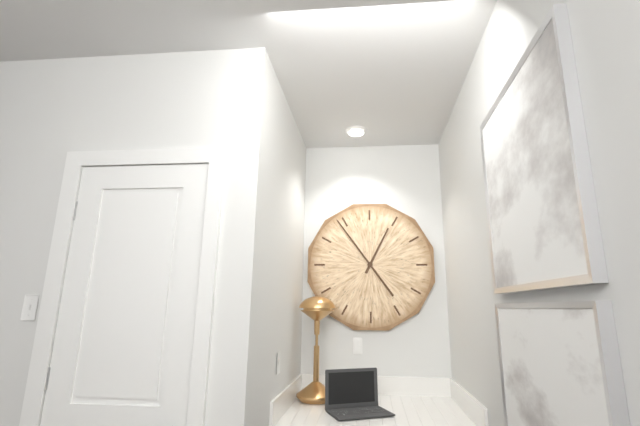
12:54
